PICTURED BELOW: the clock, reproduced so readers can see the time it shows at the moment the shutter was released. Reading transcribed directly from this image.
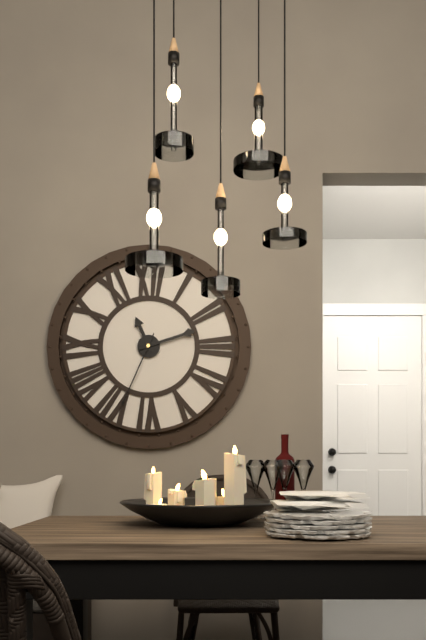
11:12:34
